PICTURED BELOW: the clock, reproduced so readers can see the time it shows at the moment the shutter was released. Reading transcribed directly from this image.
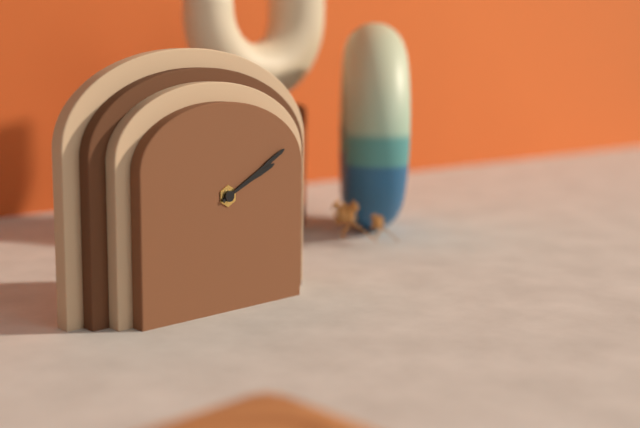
2:10
